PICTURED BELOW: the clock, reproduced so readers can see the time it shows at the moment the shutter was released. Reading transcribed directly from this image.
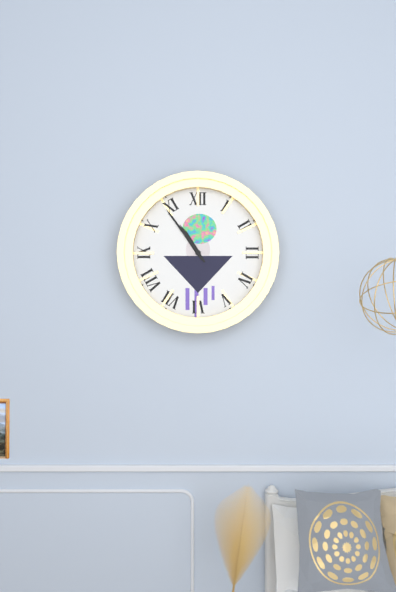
10:54
